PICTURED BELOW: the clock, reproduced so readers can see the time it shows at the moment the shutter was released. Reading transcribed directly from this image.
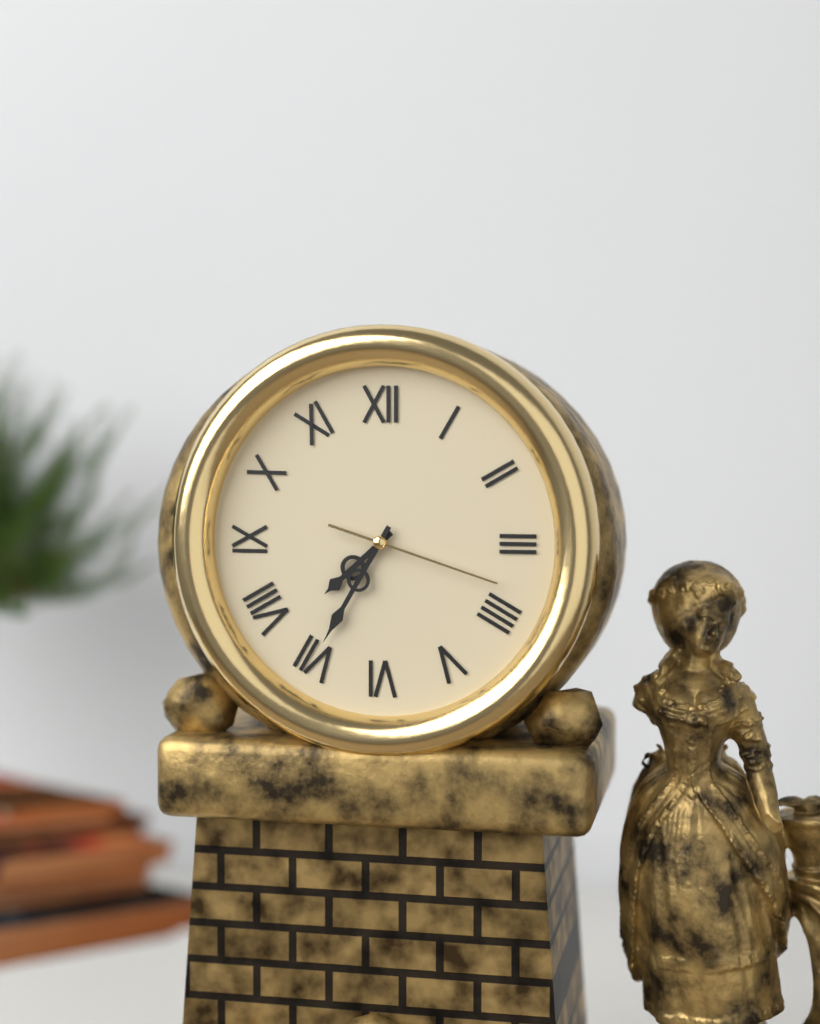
7:35:18
